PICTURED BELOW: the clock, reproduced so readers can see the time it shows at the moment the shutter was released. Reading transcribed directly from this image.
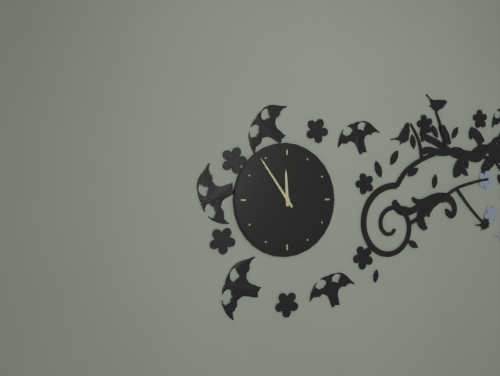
11:54
